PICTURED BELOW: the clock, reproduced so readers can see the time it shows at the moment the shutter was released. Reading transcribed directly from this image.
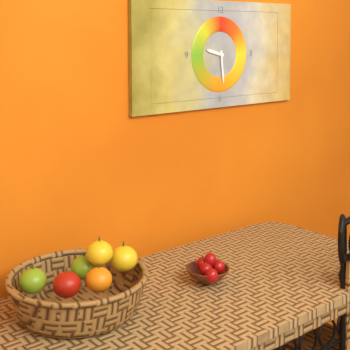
9:29
